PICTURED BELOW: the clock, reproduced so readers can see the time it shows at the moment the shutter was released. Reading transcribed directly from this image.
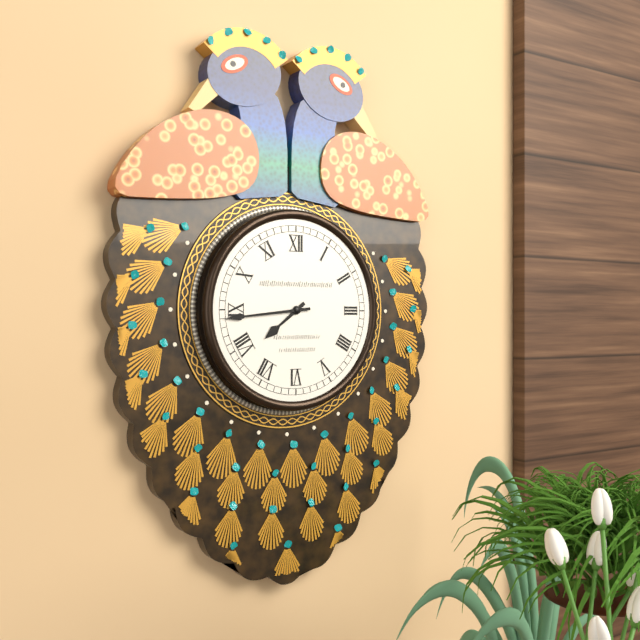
7:44
